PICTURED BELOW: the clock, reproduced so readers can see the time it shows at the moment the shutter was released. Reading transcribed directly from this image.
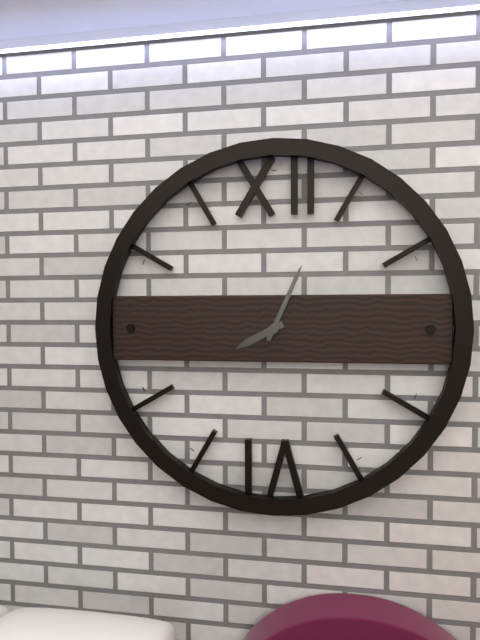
8:04
